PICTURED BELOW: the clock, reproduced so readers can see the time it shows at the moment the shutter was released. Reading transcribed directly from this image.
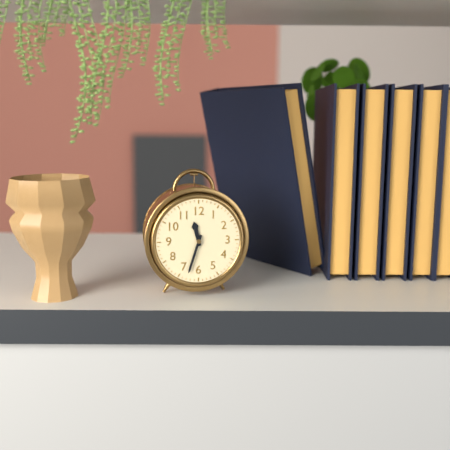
11:33
